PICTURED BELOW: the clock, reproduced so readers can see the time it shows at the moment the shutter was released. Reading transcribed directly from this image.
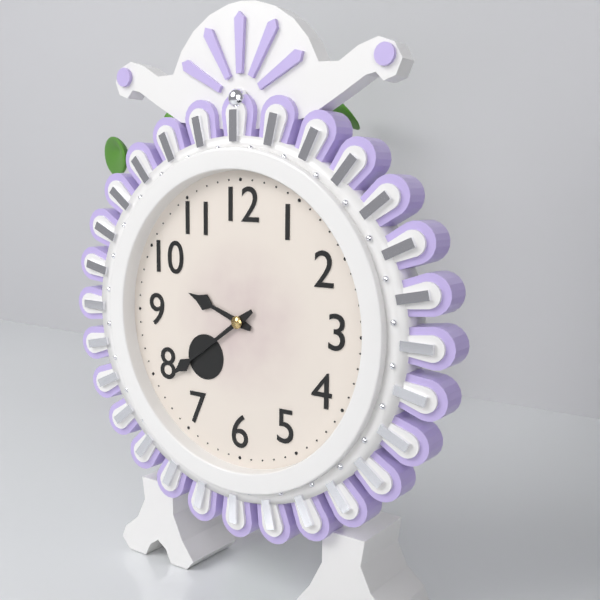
9:39
